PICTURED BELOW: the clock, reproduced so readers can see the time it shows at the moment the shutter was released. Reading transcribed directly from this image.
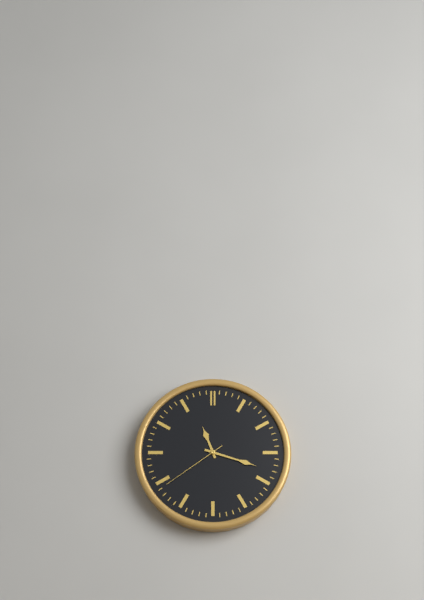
11:18:39
